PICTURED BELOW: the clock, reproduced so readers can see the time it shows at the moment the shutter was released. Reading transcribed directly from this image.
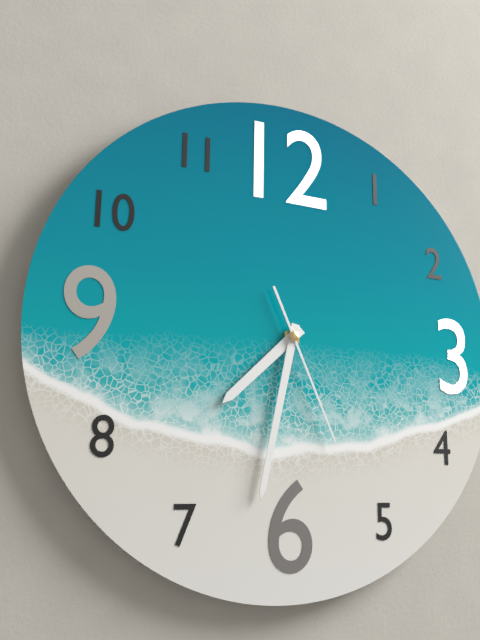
7:32:26
